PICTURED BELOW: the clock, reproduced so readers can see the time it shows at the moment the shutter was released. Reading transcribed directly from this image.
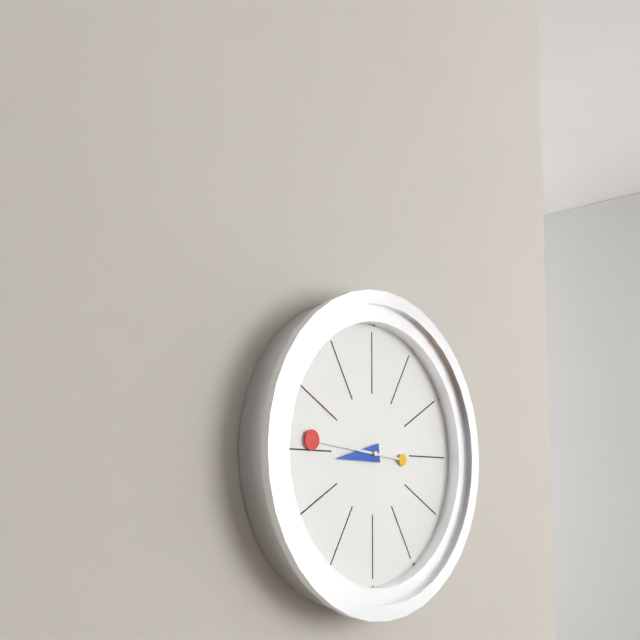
8:46
